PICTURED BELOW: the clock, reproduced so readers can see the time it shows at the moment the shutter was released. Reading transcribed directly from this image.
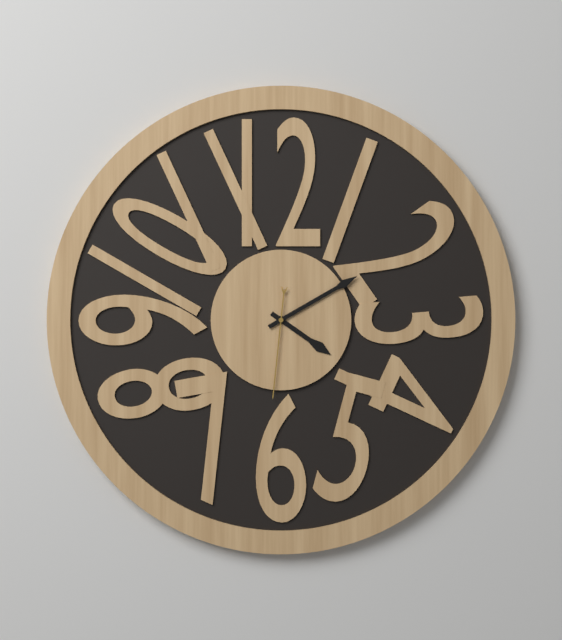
4:10:31
